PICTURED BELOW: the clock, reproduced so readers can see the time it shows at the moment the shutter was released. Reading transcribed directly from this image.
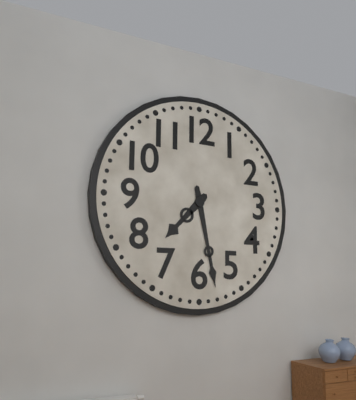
7:28
